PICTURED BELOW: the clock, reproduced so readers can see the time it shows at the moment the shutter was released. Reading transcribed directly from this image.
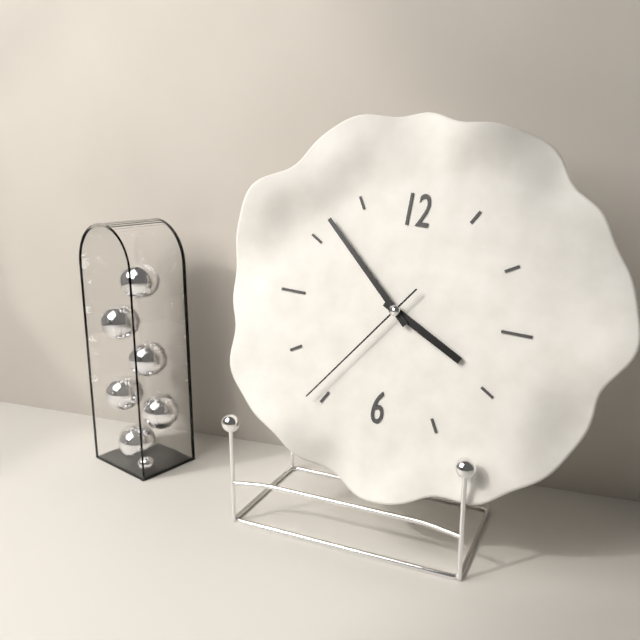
3:52:36
